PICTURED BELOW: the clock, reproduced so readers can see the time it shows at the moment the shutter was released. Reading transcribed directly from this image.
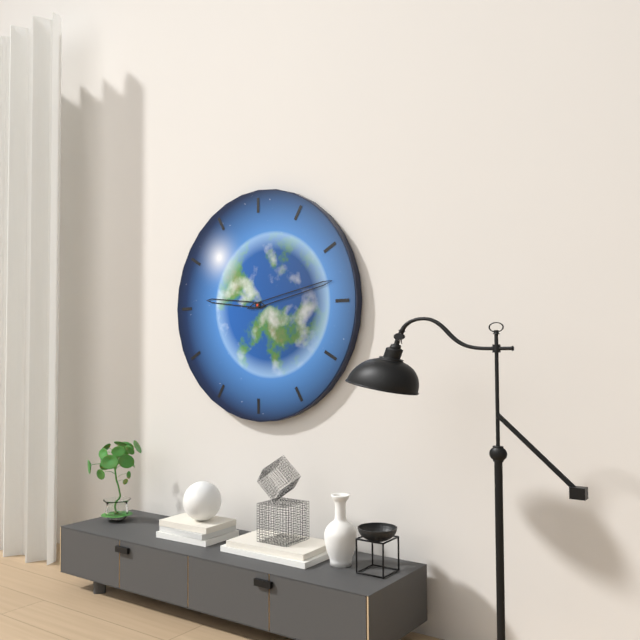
9:13
